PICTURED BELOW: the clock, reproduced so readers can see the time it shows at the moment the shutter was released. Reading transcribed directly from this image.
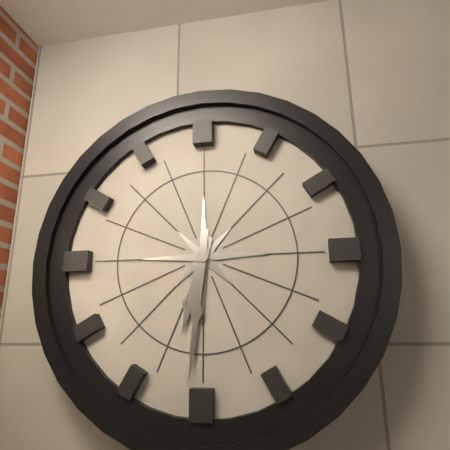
6:31
